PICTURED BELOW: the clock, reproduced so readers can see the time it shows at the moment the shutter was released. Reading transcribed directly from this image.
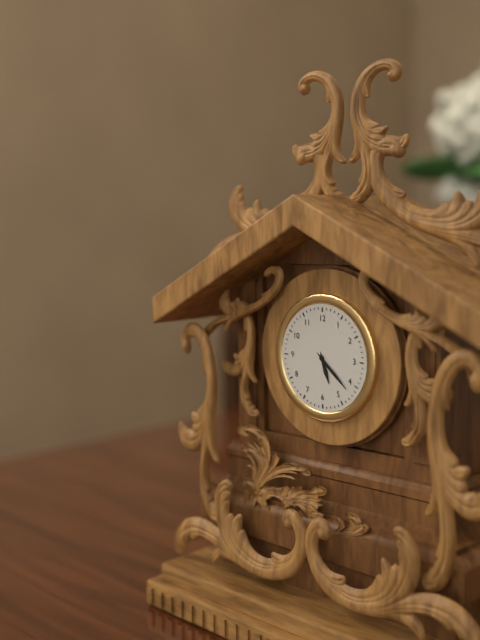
5:22
